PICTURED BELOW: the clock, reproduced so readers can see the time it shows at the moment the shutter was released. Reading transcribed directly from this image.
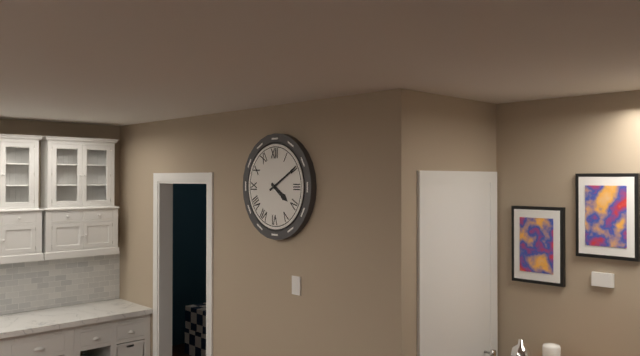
4:10
